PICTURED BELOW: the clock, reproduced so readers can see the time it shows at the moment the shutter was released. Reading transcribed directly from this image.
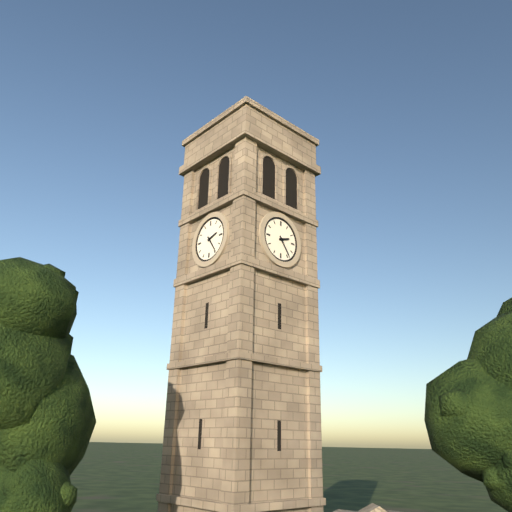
2:24
